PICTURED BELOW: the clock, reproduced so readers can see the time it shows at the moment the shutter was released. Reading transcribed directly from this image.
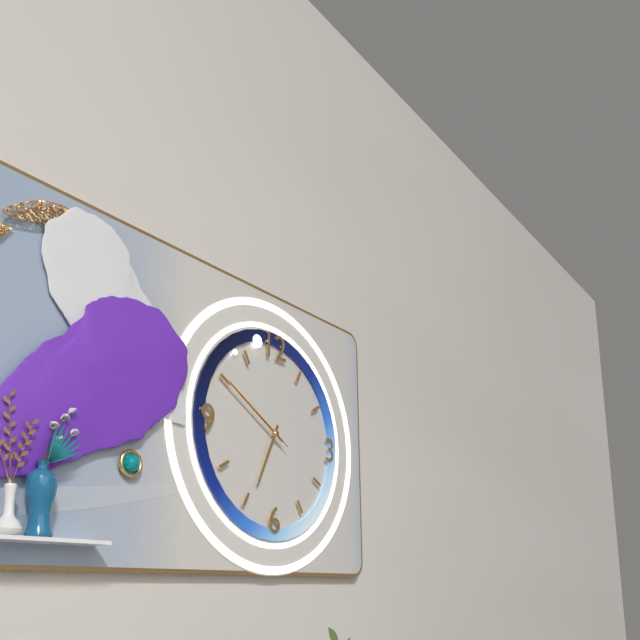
6:50:50
